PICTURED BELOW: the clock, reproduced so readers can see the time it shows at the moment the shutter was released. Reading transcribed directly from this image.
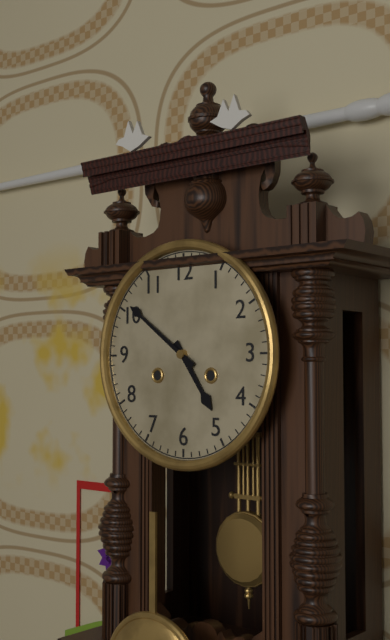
4:51
